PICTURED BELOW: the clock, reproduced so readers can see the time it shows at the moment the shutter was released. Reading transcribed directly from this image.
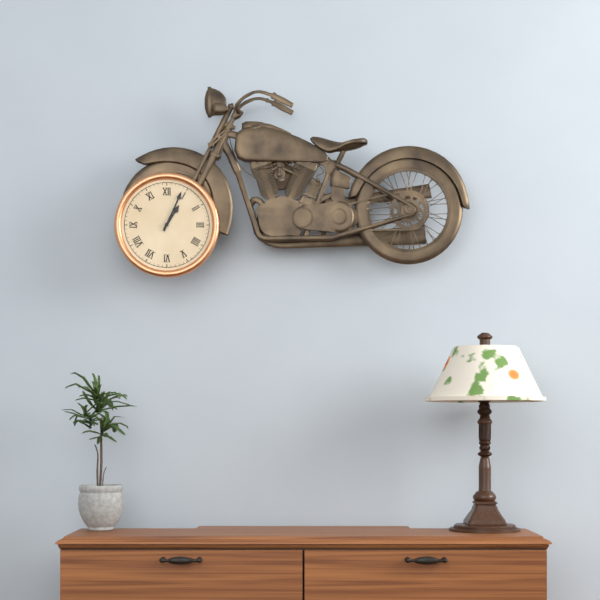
1:04
